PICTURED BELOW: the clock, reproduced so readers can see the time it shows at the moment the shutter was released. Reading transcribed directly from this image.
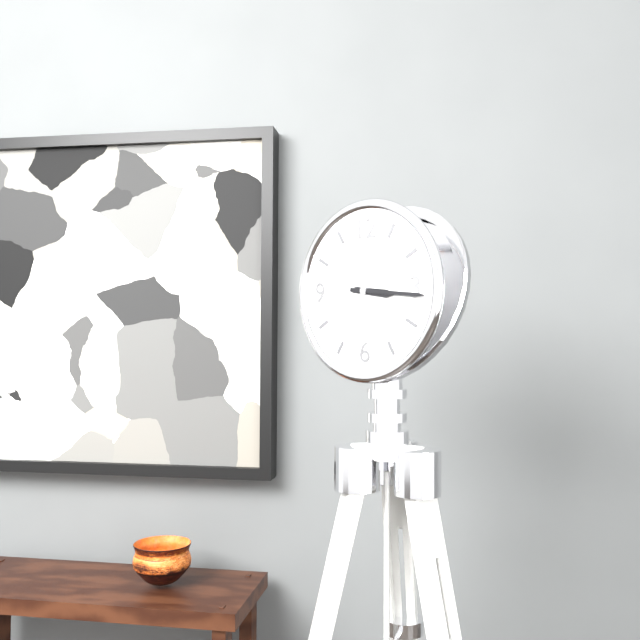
3:16
